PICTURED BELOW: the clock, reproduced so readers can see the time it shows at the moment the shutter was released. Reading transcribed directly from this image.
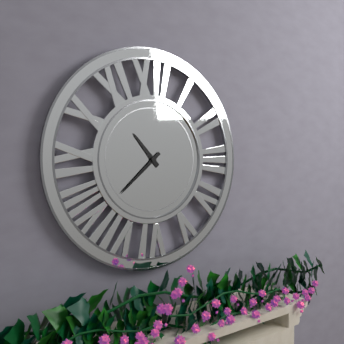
10:38
